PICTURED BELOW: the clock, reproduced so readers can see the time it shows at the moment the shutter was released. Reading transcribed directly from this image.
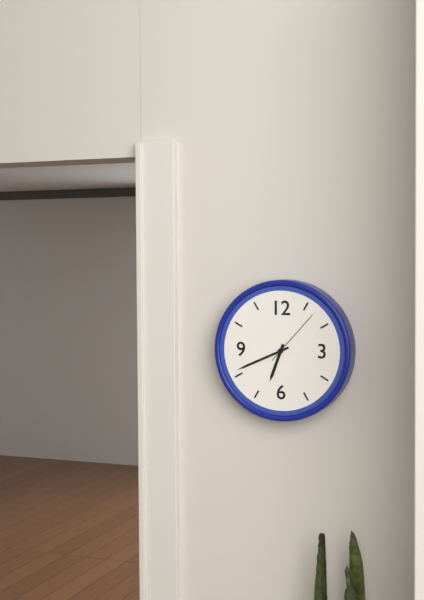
6:41:07
